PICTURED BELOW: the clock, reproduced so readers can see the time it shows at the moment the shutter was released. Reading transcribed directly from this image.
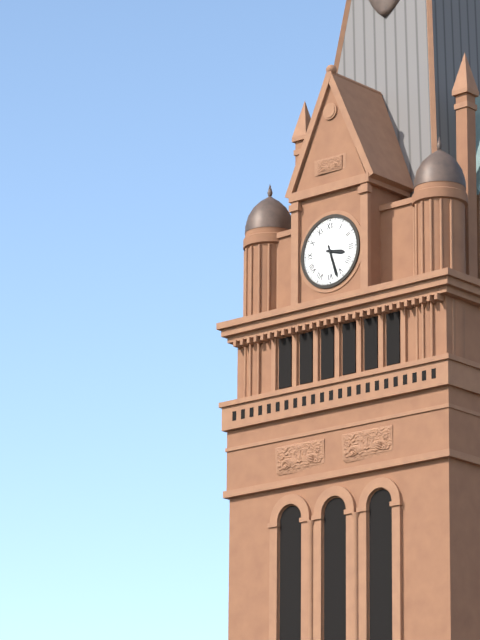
3:27
